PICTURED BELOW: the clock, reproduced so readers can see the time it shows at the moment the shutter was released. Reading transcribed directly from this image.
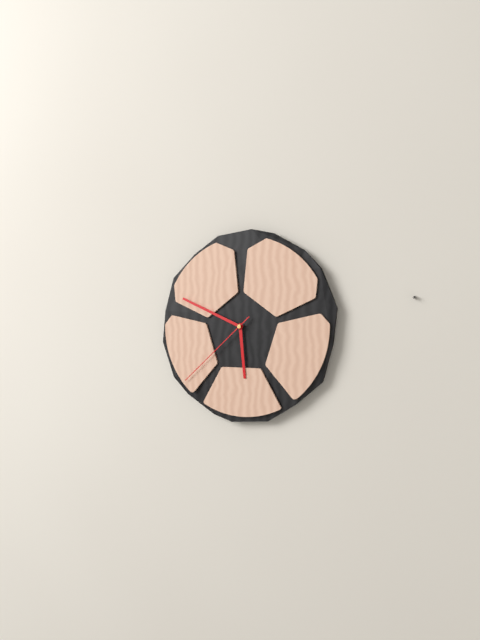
5:49:38
